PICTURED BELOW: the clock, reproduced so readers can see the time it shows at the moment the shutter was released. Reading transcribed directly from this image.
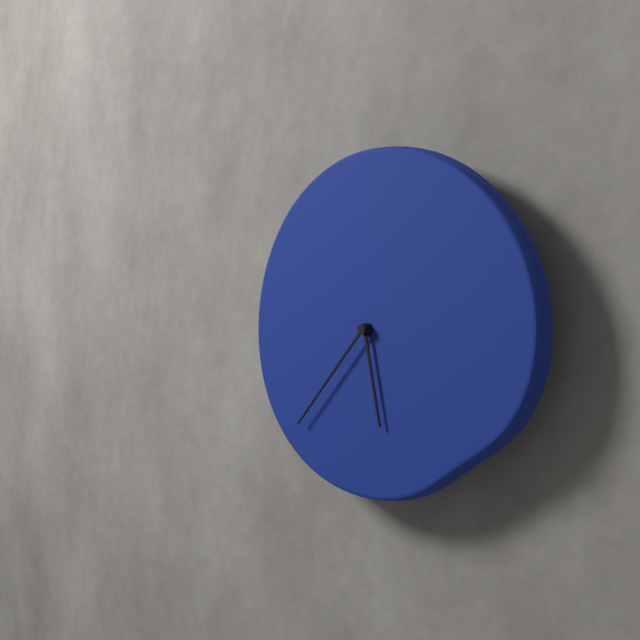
5:37
